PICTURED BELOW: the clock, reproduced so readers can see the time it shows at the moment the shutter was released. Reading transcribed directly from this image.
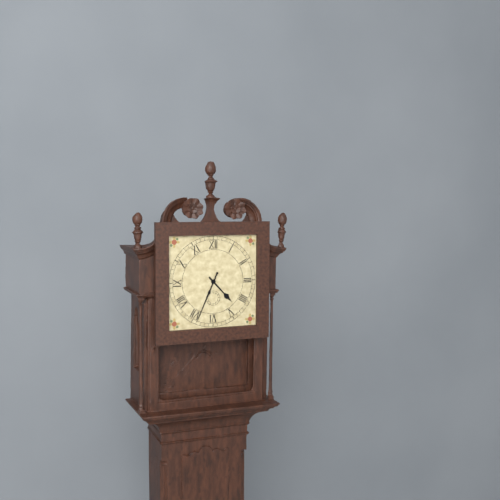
4:34
